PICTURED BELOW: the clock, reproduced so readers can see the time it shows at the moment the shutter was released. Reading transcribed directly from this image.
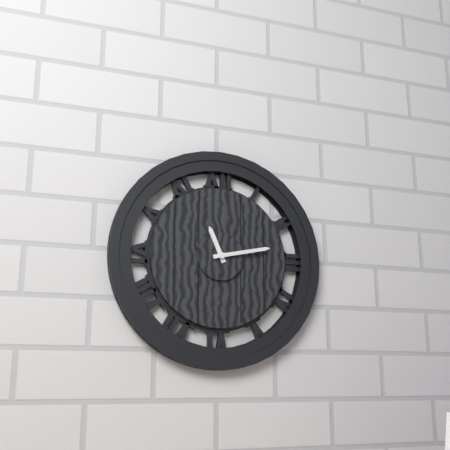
11:13
